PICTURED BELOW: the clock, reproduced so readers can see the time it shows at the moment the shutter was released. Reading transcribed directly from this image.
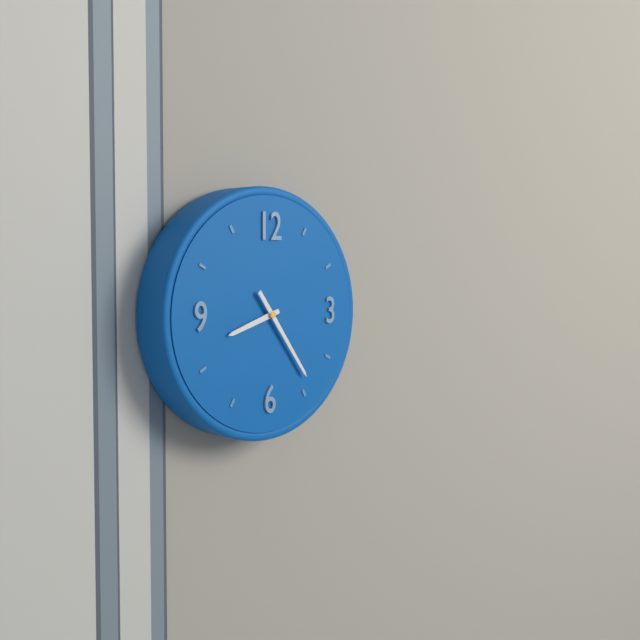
8:24
